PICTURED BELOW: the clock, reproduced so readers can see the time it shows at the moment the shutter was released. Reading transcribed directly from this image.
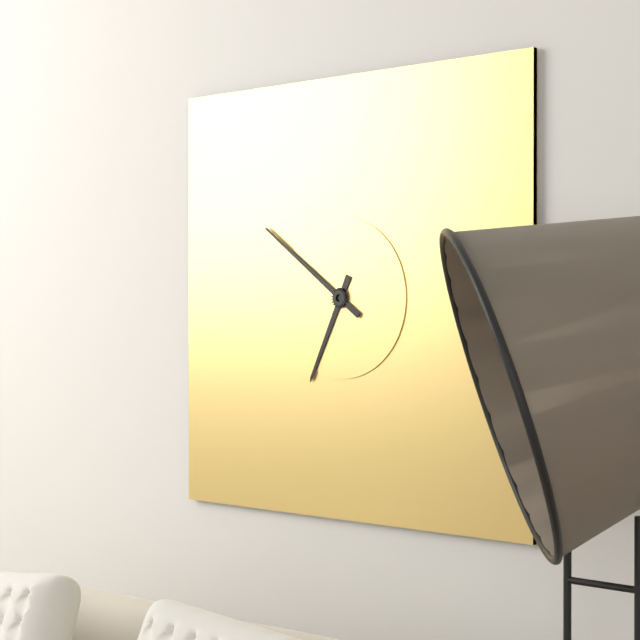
6:51
